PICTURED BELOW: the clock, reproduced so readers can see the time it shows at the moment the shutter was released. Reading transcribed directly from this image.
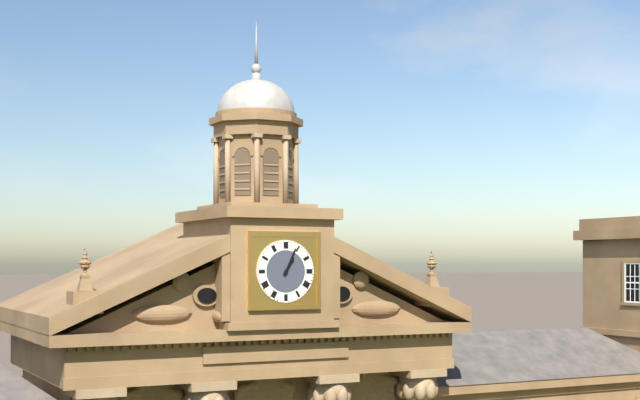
1:04
